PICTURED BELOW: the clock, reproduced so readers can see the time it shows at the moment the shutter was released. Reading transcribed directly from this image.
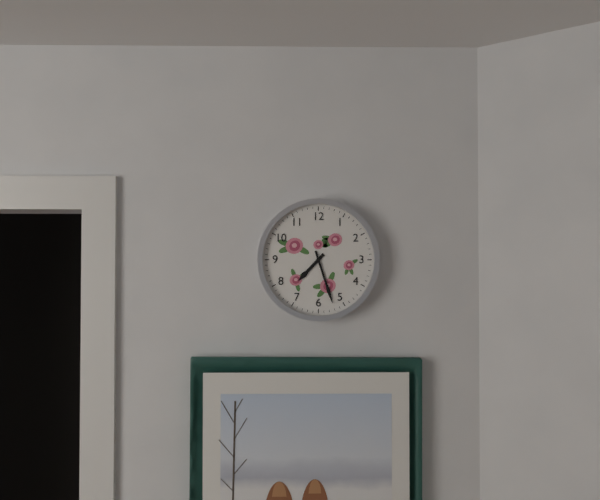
7:27
